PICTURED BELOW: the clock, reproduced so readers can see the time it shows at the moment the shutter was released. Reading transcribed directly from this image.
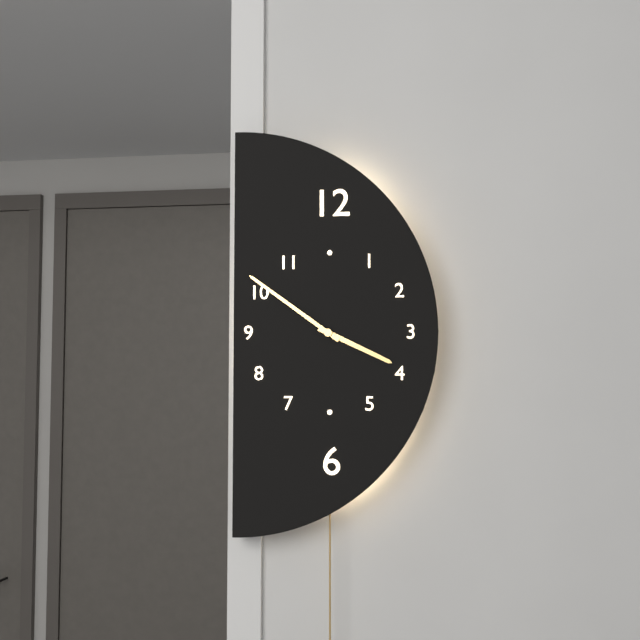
3:51
